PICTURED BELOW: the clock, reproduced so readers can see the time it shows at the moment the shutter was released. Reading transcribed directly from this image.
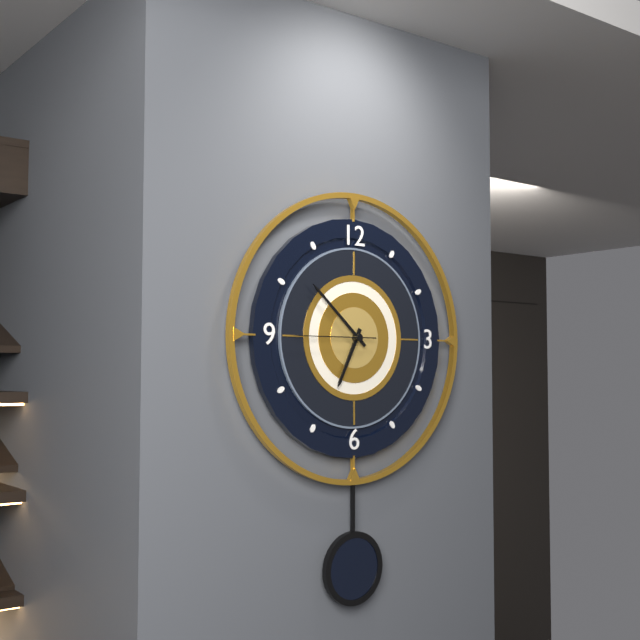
6:52:45
